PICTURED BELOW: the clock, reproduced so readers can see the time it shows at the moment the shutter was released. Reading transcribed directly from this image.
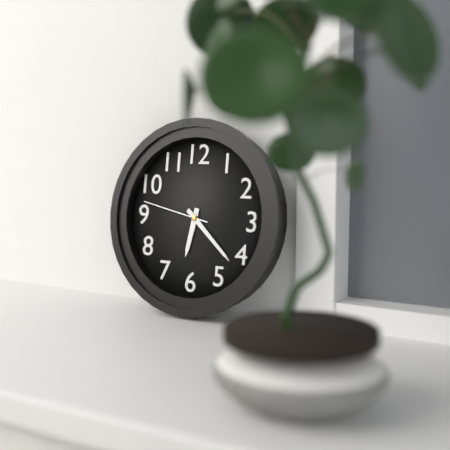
6:22:47
